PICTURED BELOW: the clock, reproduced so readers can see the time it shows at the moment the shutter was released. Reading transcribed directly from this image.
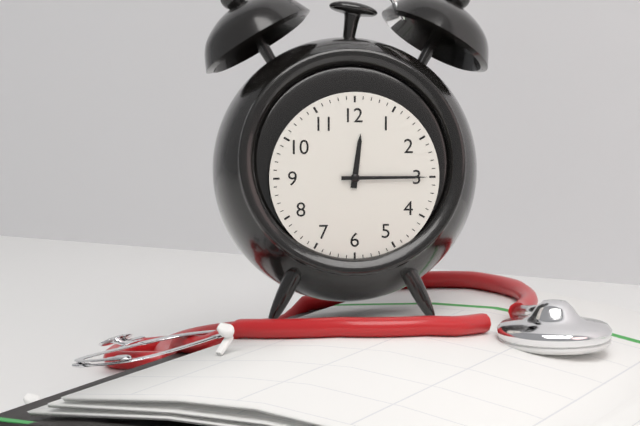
12:15
